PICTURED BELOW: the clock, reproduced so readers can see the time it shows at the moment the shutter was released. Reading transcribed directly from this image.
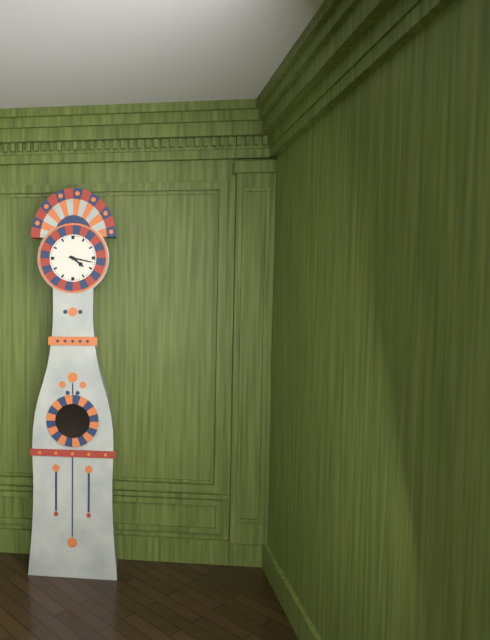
4:17
